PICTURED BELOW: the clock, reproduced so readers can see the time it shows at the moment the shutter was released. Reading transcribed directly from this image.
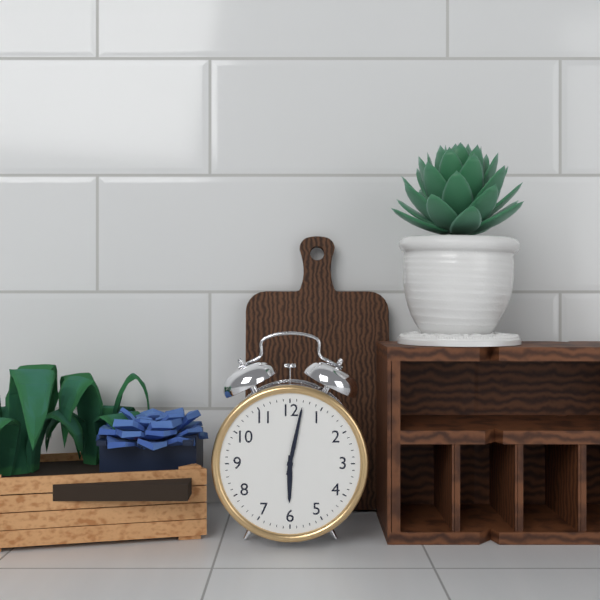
6:02
